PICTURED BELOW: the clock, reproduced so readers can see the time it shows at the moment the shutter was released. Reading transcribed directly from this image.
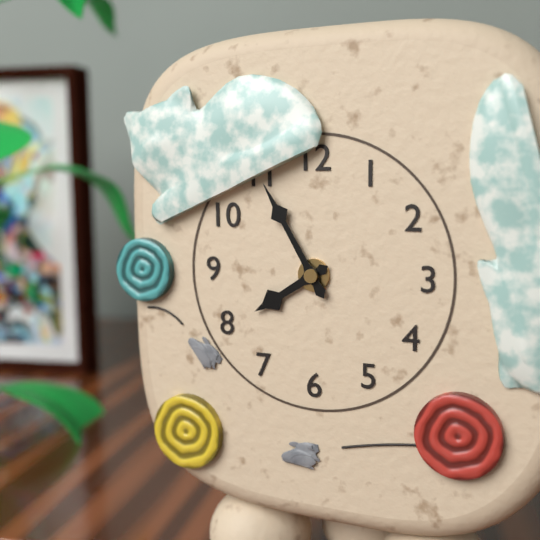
7:55
